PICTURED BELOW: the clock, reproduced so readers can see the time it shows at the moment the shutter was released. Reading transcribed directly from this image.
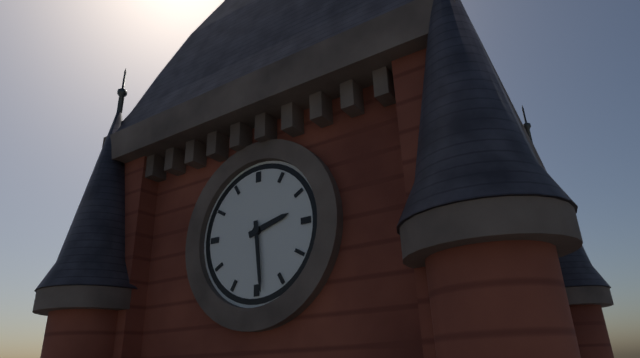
2:29
